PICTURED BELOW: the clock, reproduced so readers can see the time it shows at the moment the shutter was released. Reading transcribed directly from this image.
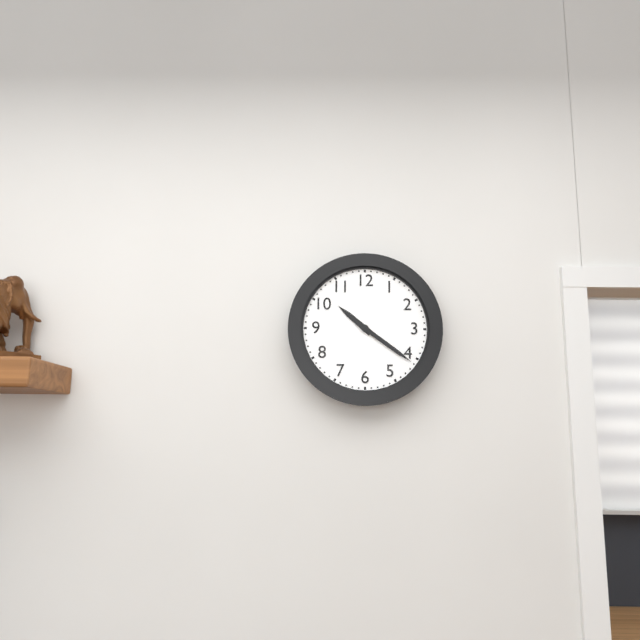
10:21
